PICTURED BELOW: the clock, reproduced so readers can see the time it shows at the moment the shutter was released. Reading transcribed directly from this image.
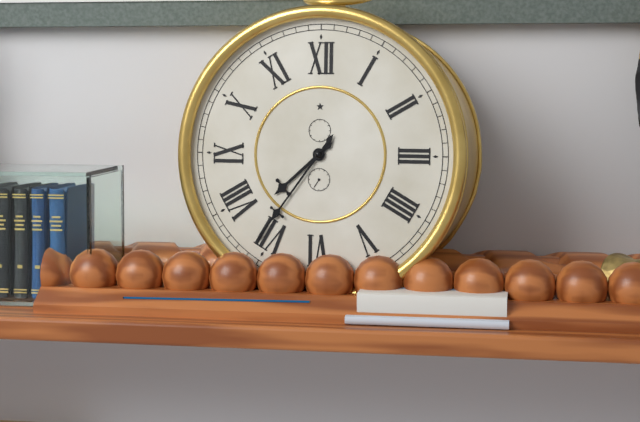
7:36
